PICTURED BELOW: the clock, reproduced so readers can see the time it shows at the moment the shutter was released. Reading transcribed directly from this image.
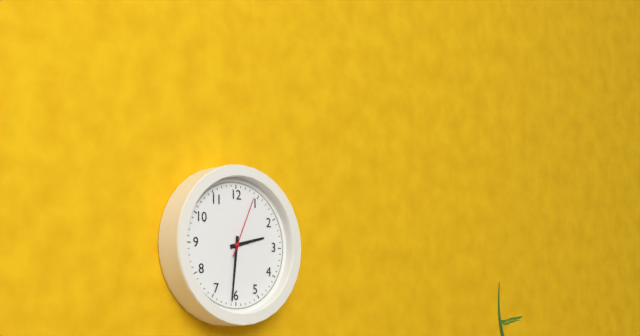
2:31:04
